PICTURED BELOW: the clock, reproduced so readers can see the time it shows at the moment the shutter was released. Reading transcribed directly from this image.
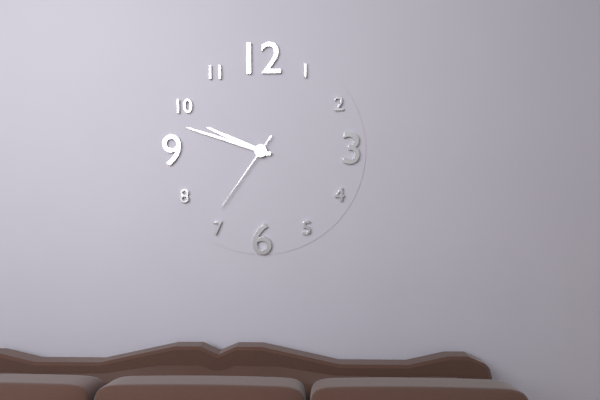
9:48:36
